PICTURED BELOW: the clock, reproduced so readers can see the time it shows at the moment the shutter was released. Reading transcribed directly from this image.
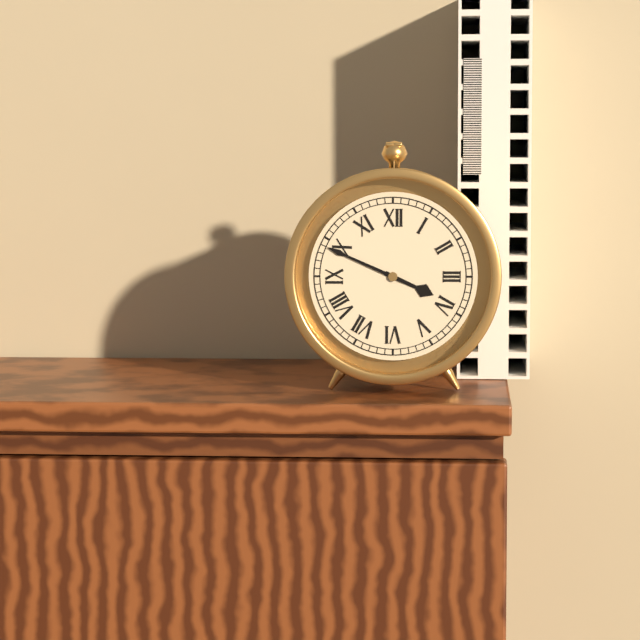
3:49
